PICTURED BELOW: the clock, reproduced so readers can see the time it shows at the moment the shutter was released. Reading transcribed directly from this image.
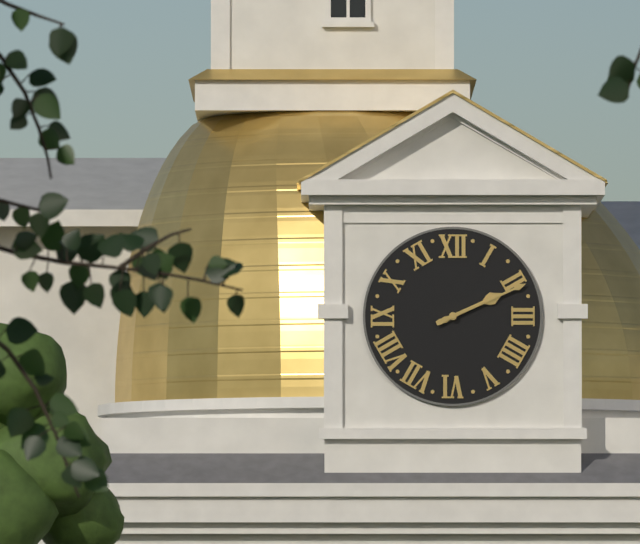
2:11
